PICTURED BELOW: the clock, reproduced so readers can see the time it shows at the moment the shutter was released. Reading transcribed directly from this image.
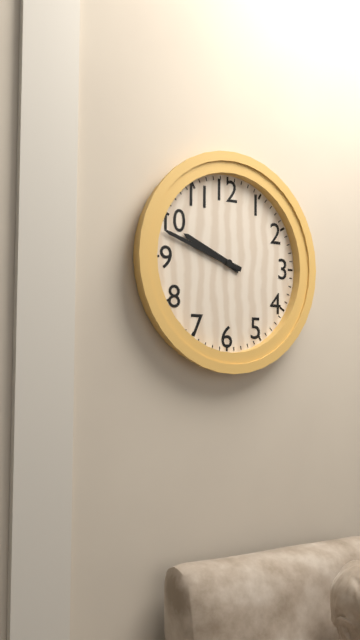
9:48
